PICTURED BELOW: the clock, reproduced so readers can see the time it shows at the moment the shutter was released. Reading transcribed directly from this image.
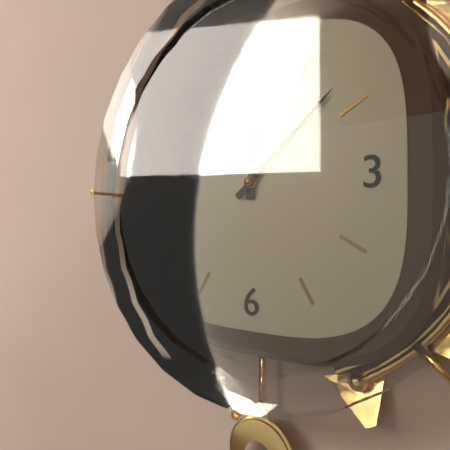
12:08
